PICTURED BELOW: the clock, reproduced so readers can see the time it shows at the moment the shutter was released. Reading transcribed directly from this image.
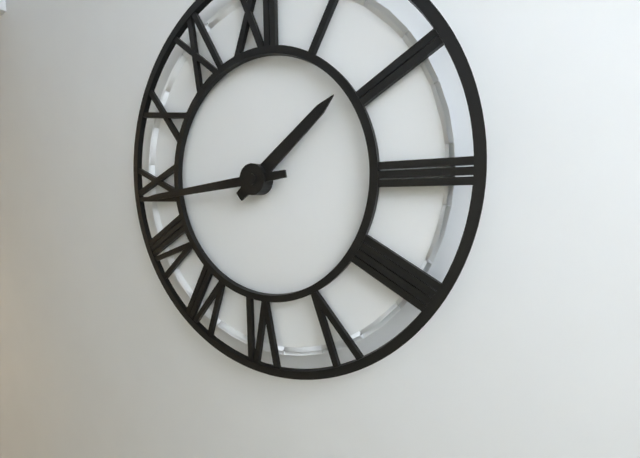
1:44
